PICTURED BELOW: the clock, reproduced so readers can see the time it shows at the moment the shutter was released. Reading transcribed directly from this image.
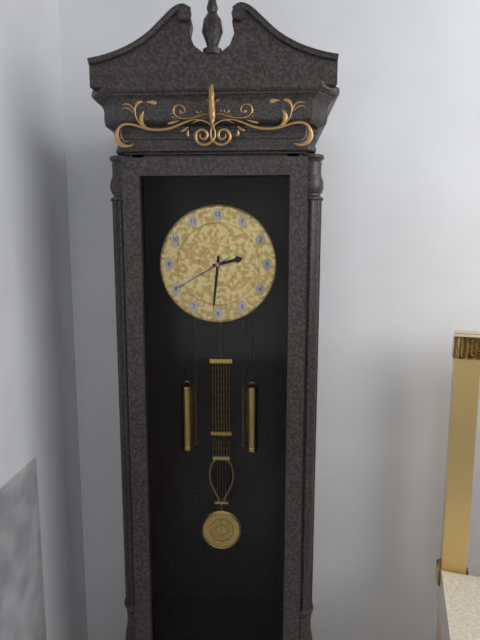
2:31:40
